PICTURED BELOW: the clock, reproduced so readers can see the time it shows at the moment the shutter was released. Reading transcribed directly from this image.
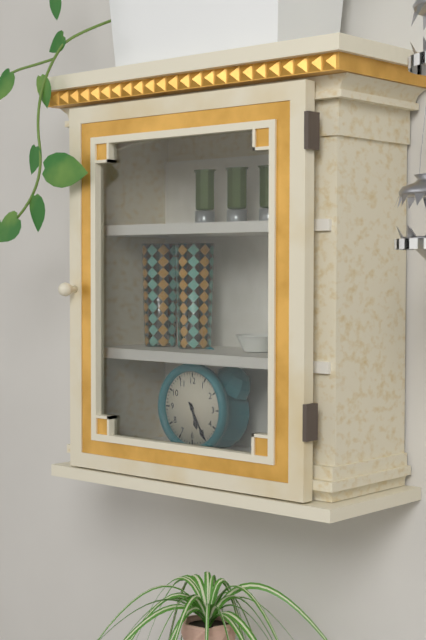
5:25
